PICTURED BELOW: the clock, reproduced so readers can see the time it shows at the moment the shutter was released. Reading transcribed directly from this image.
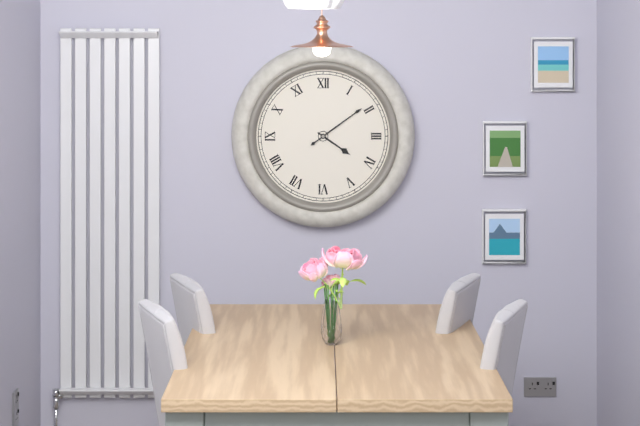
4:09
